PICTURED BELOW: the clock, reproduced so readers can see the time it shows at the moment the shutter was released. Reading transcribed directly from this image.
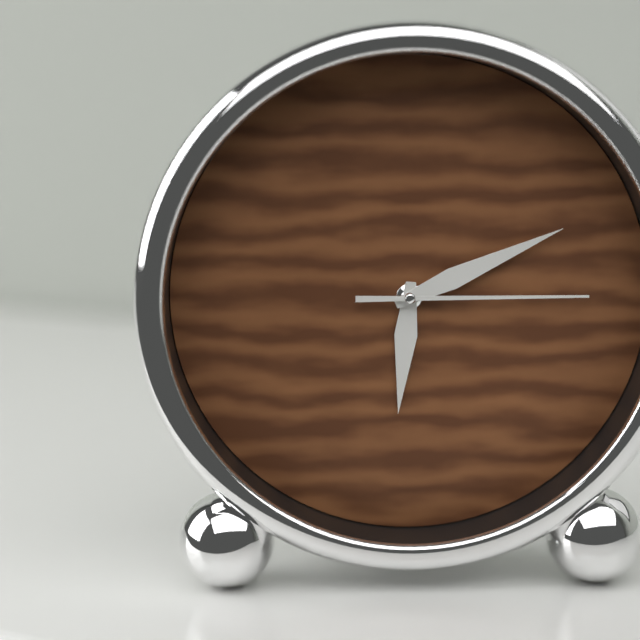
6:11:15
